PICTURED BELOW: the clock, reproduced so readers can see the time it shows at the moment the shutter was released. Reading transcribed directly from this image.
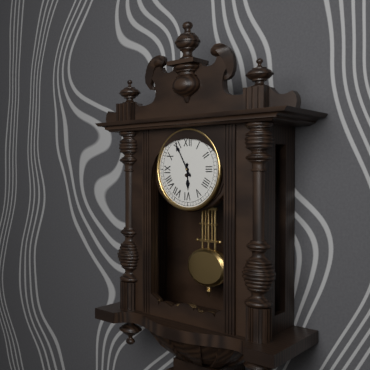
5:55
